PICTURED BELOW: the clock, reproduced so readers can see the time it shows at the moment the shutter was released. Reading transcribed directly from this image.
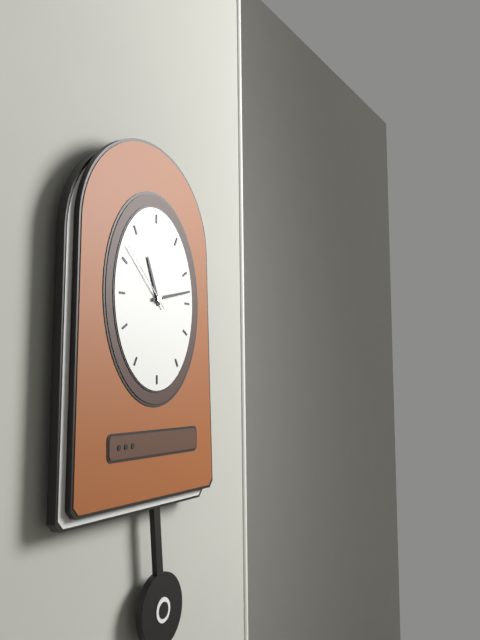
11:13:52
